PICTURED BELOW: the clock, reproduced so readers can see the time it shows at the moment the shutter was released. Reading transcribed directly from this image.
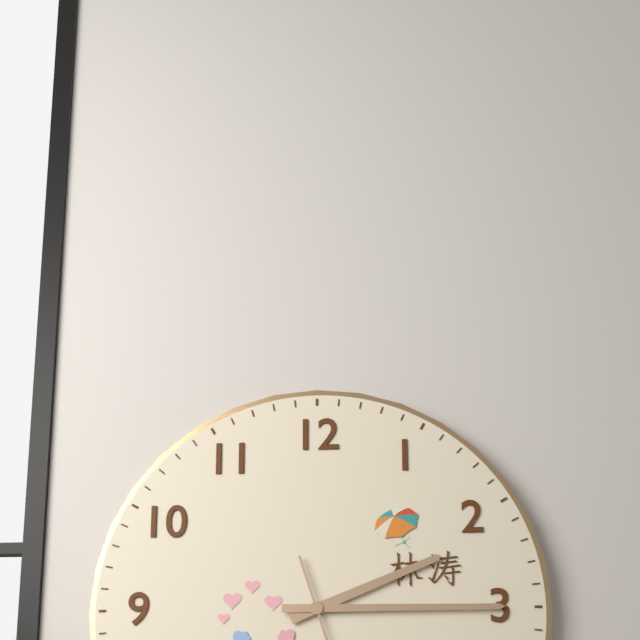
2:15
